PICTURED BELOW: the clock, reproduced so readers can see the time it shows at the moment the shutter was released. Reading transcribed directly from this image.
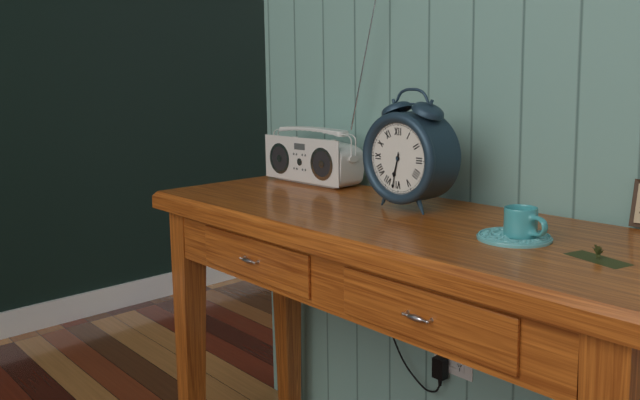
6:32
